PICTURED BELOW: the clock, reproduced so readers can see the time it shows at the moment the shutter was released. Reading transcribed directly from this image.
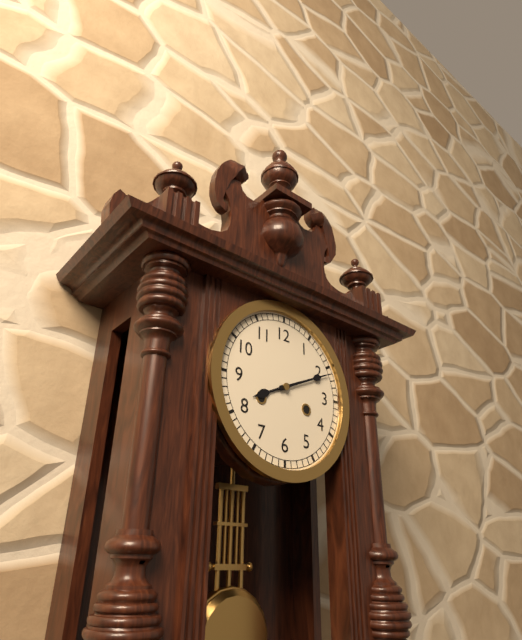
8:11
